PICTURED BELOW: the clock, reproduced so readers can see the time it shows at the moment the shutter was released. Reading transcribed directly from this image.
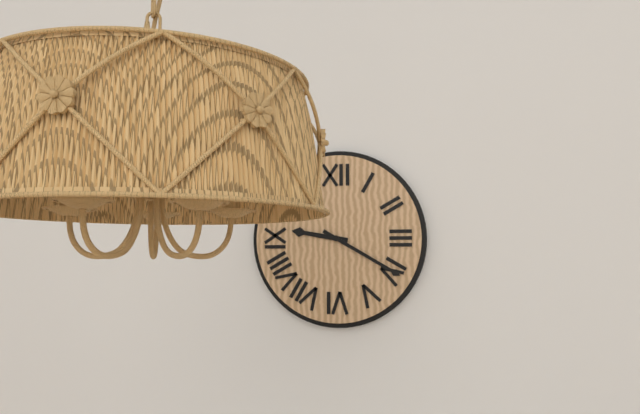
9:20
